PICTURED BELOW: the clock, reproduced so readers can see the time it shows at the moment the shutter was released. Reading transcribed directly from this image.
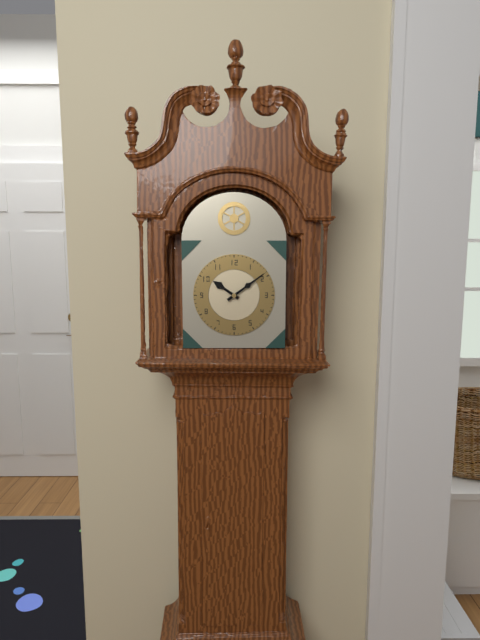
10:09
